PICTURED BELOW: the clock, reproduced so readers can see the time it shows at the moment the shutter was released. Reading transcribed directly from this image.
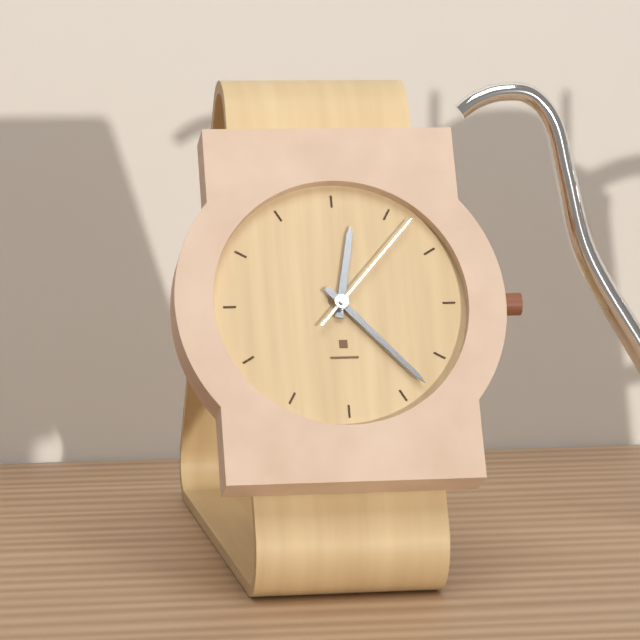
12:23:07
